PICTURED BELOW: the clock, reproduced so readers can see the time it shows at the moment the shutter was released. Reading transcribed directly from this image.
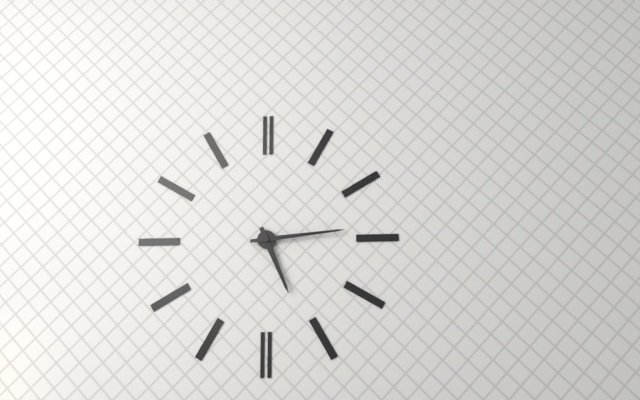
5:14
